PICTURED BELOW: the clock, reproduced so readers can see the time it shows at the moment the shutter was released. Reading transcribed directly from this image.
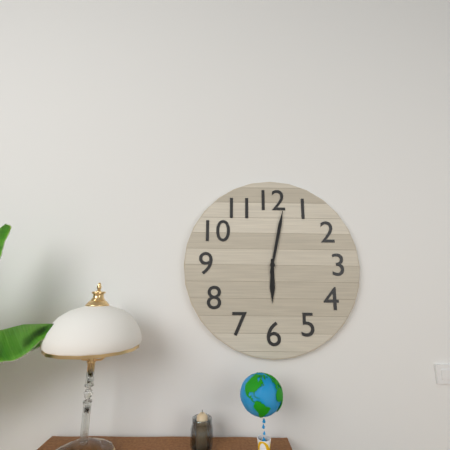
6:02
